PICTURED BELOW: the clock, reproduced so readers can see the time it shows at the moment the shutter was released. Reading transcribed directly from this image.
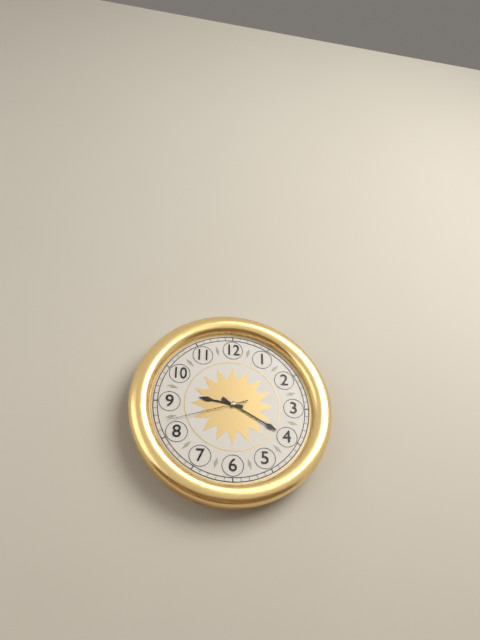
9:20:42
